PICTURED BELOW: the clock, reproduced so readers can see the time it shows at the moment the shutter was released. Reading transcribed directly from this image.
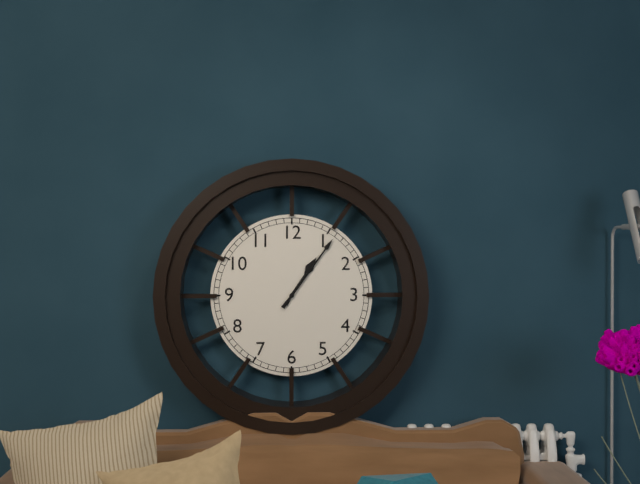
1:06
